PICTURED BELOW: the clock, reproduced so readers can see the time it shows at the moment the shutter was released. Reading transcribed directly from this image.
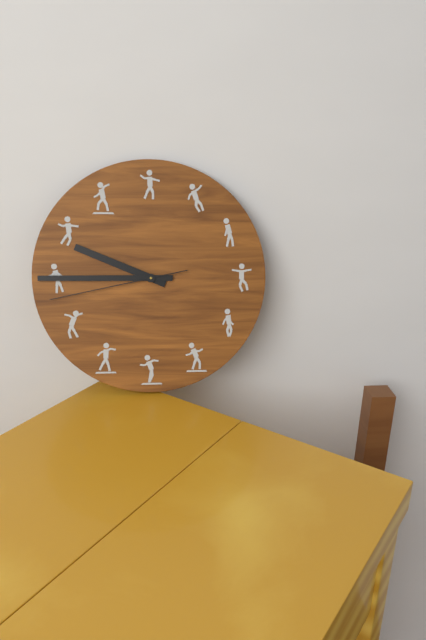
9:45:43
